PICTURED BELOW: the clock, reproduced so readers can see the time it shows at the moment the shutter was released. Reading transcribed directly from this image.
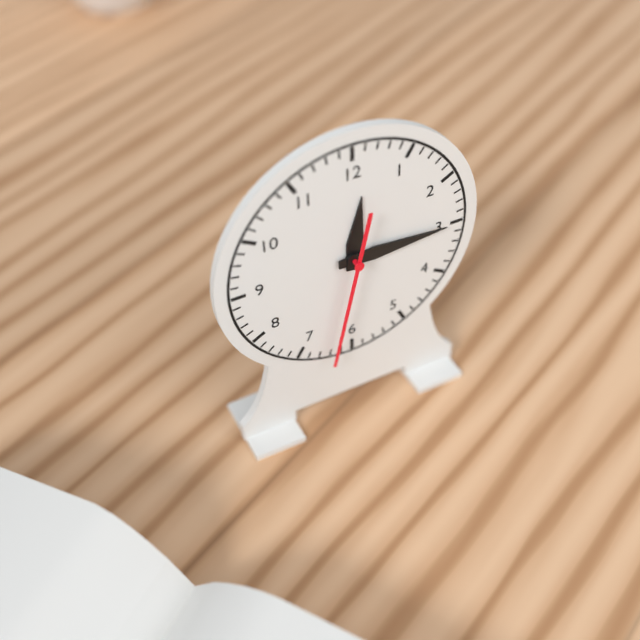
12:15:32
